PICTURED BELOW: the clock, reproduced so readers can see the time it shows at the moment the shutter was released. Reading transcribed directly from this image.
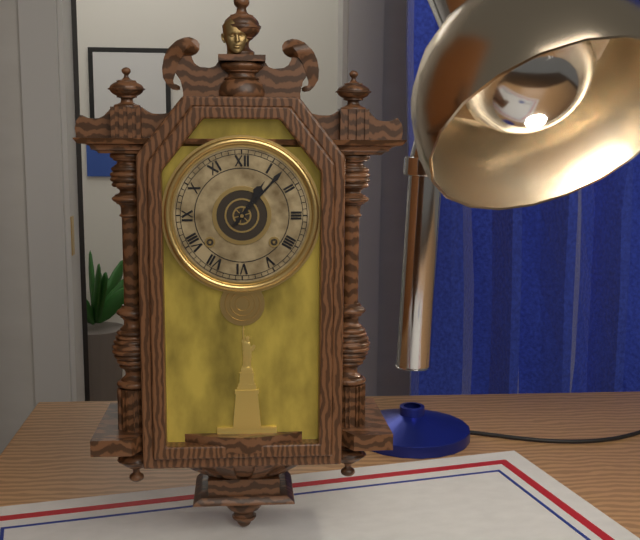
1:07
